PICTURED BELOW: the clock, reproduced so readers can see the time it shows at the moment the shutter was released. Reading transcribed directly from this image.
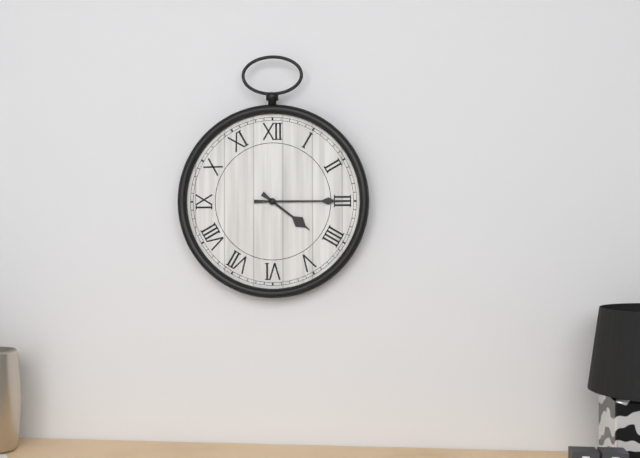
4:15
